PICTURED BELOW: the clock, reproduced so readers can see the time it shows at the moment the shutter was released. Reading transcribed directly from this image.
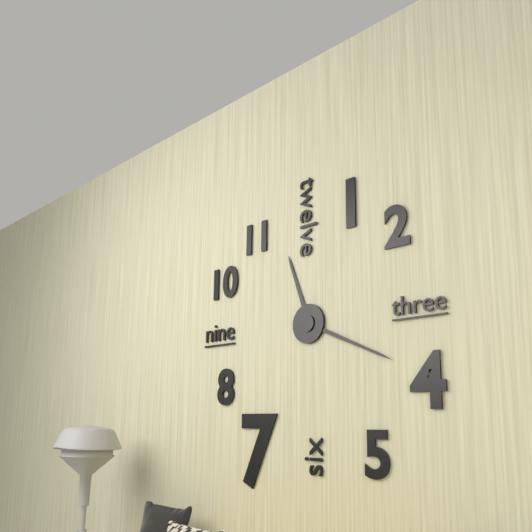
11:19
